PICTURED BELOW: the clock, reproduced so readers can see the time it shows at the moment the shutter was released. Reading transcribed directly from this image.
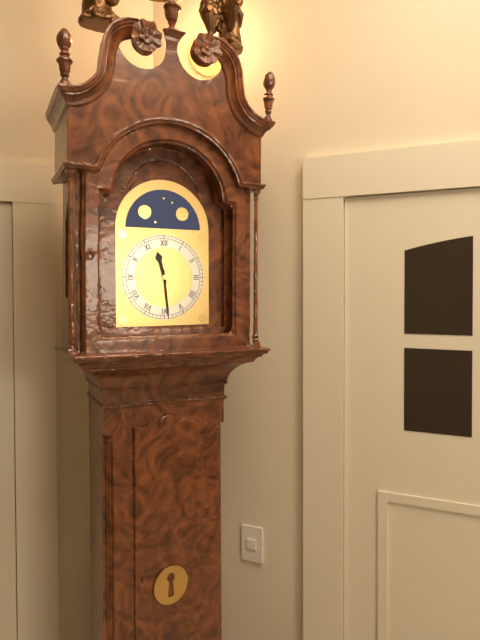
11:29
